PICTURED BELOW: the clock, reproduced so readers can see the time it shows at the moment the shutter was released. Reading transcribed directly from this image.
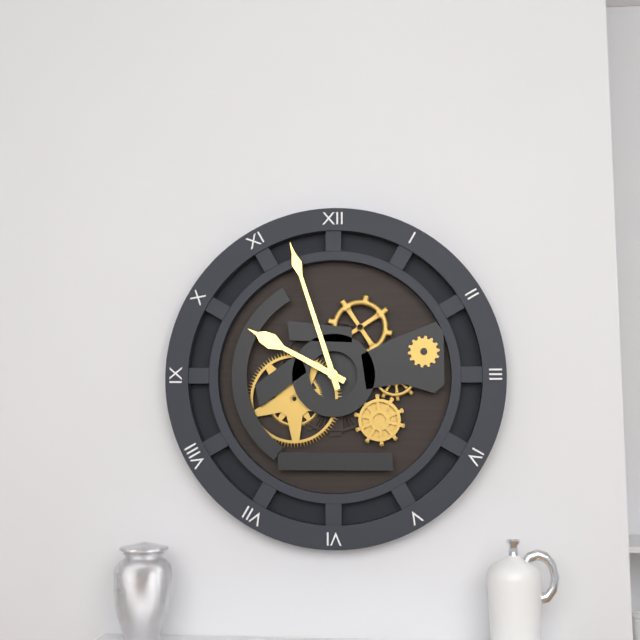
9:57
